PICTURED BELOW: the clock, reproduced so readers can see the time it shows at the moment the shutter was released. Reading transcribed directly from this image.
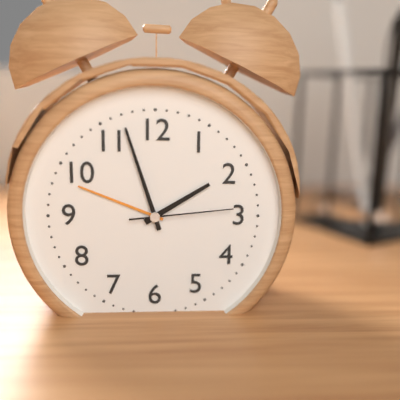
1:57:14
